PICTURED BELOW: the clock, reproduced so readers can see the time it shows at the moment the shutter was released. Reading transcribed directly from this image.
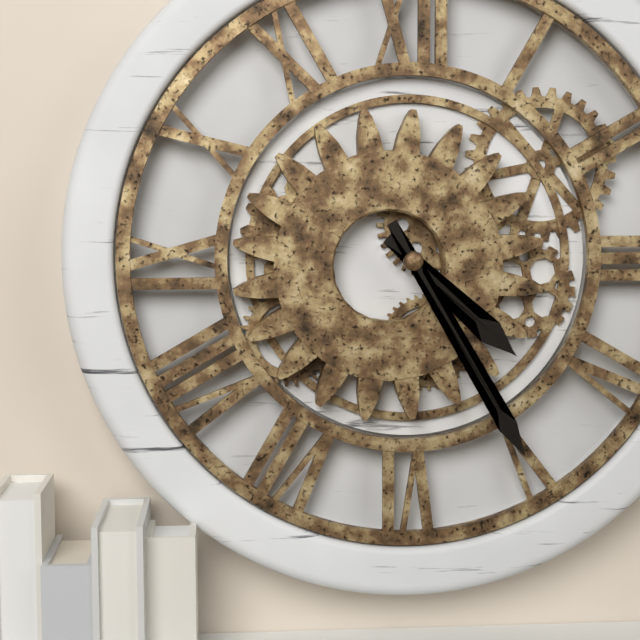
4:25
